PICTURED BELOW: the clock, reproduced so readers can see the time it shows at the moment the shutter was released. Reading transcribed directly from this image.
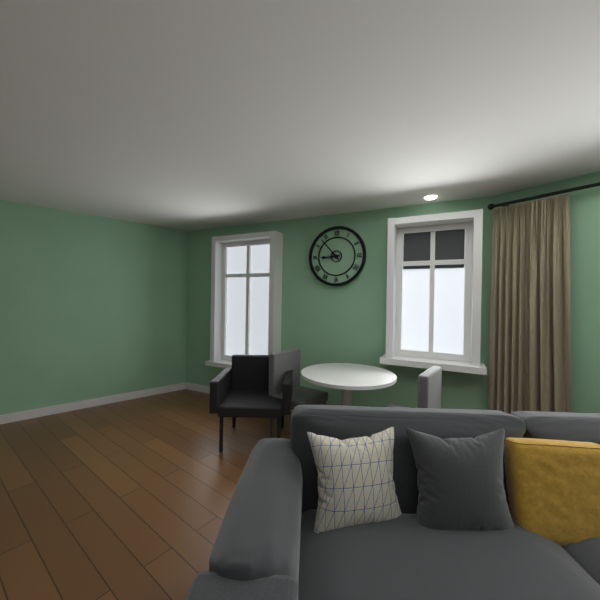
8:53
